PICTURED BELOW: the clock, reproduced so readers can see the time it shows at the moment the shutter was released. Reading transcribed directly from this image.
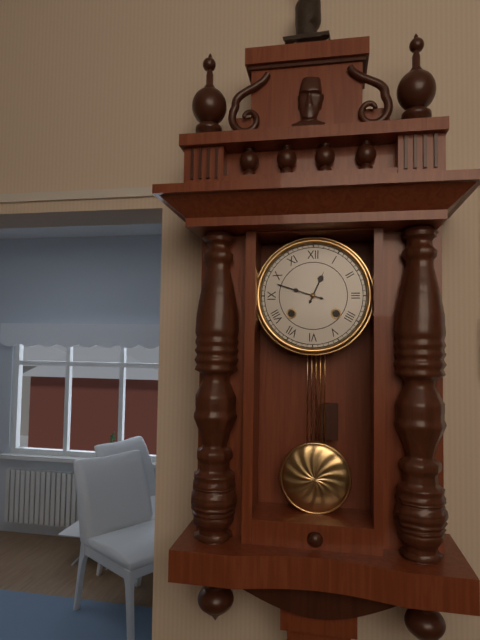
12:48
